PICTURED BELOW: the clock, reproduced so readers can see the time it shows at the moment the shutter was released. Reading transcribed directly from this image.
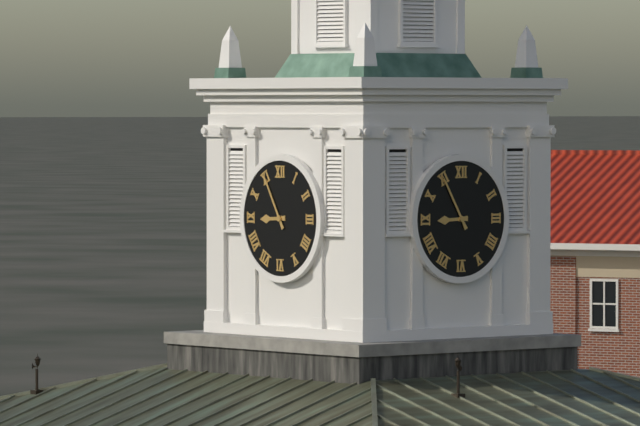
8:55
